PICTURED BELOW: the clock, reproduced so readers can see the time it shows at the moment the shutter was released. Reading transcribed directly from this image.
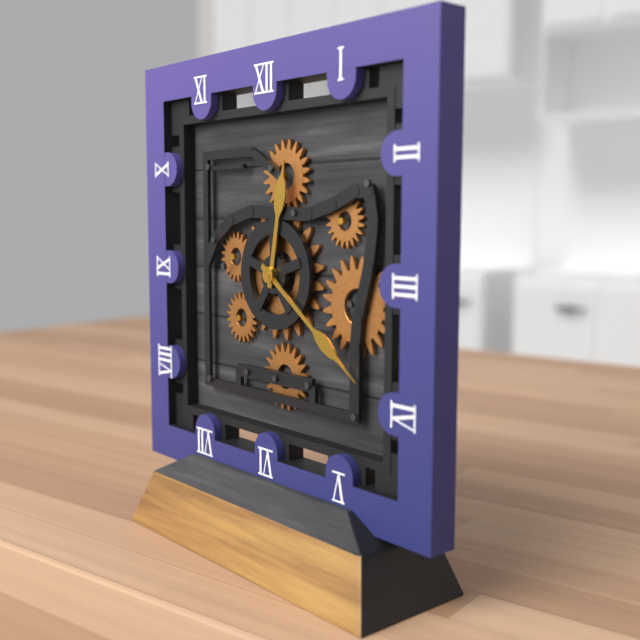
12:21
